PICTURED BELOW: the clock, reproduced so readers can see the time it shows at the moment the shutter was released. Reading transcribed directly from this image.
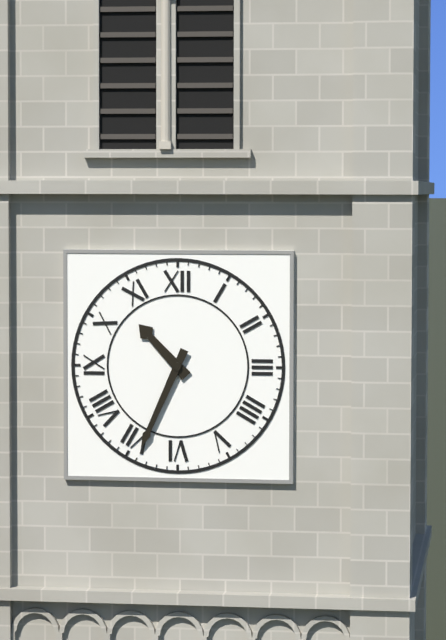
10:34
